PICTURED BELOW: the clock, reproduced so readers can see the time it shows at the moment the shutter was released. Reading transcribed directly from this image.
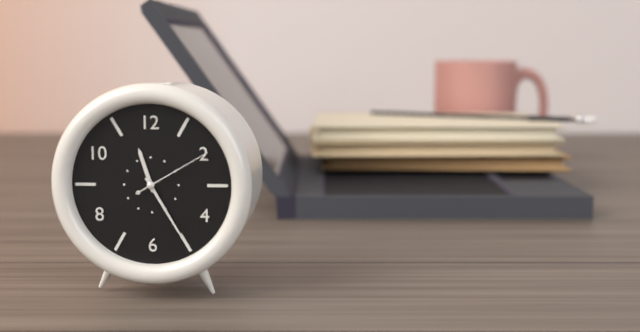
11:25:10
